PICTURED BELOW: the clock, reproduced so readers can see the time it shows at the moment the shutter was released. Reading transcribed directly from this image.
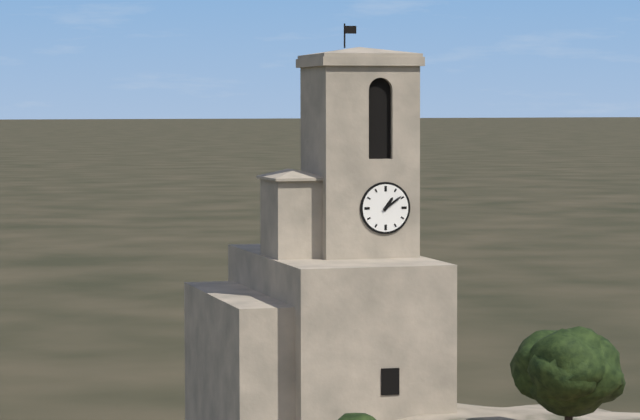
1:09
